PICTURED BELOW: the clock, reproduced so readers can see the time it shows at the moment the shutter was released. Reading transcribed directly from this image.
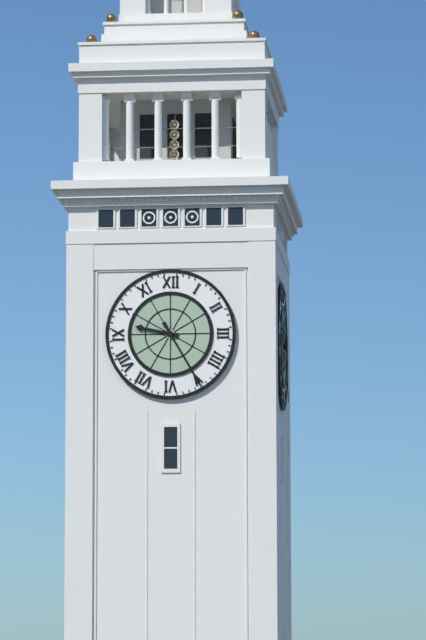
9:25
